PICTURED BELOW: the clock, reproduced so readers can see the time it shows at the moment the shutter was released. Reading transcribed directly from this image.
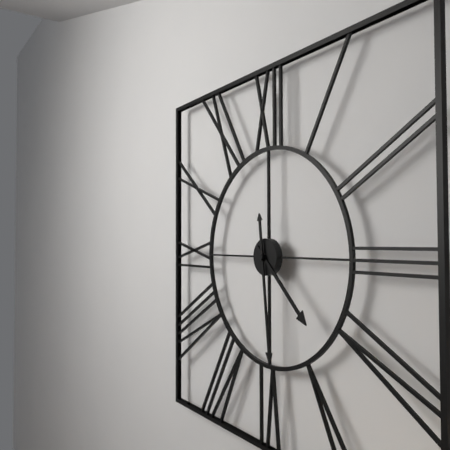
4:29
